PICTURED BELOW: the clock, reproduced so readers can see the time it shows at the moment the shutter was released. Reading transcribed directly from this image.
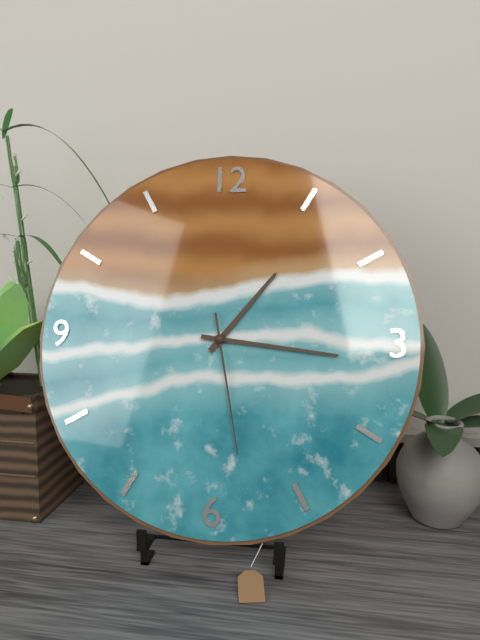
1:16:28
